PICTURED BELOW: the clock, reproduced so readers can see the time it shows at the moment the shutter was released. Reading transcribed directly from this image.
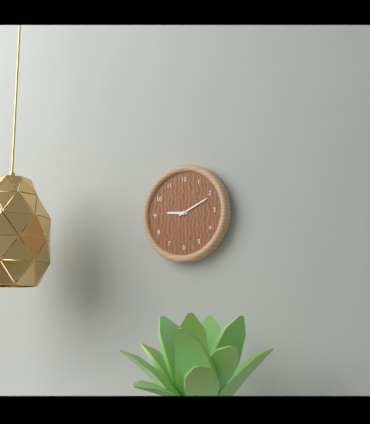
9:11
